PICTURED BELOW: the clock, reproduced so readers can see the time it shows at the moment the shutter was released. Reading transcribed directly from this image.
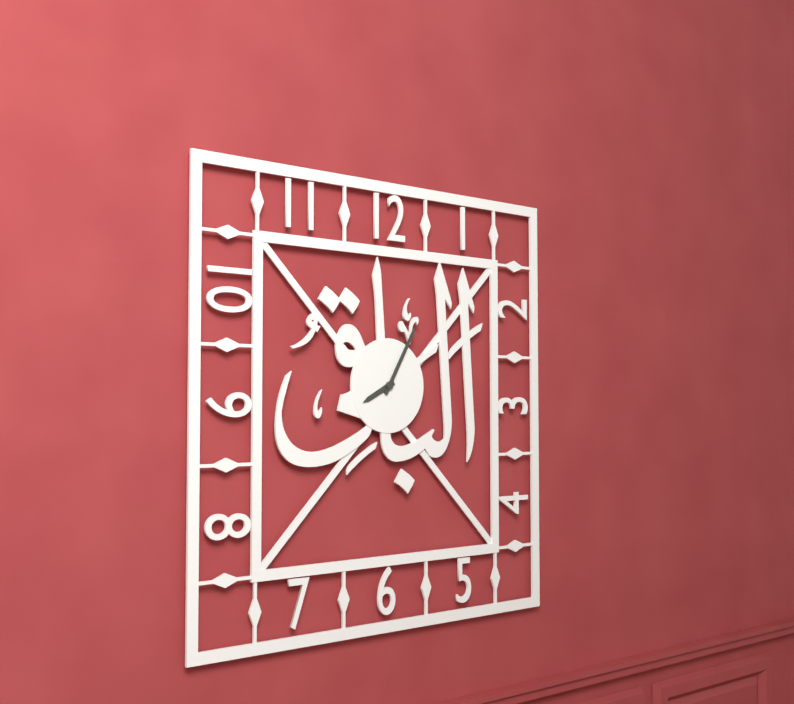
8:05
